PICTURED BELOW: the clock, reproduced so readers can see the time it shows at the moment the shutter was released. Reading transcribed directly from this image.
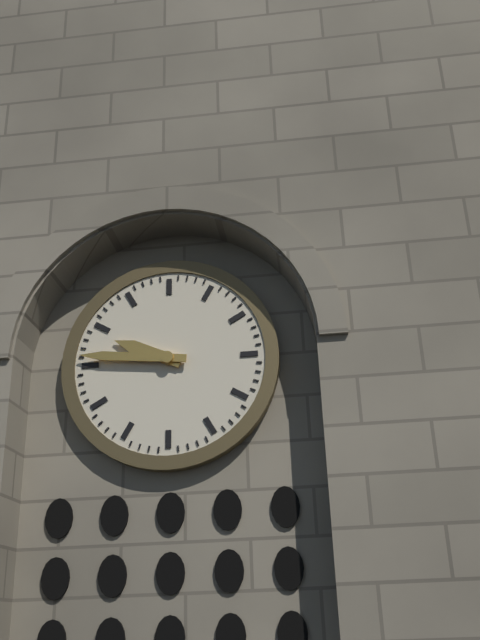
9:46
